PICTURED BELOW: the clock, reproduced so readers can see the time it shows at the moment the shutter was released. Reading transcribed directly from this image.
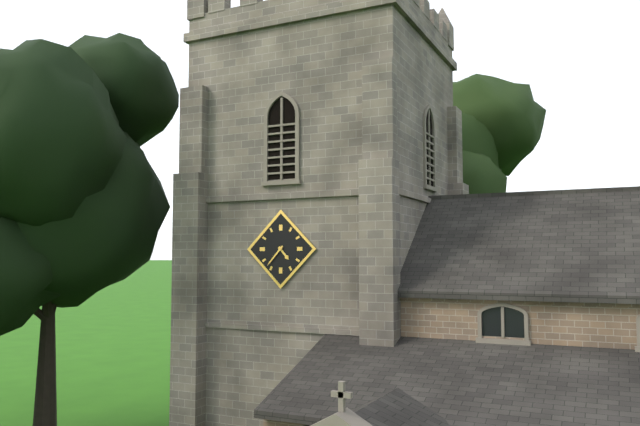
4:37
